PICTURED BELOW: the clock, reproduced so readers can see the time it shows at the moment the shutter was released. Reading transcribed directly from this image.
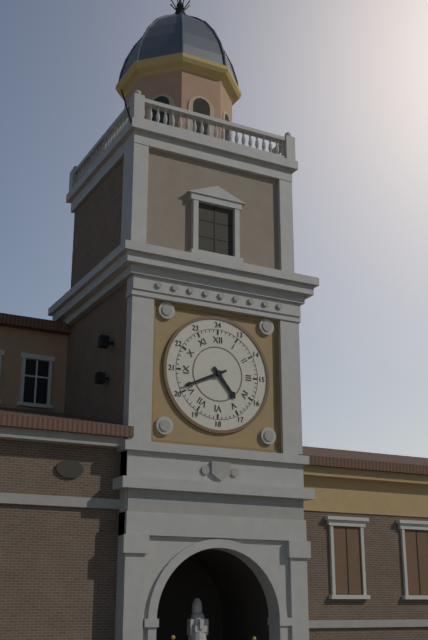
4:41
